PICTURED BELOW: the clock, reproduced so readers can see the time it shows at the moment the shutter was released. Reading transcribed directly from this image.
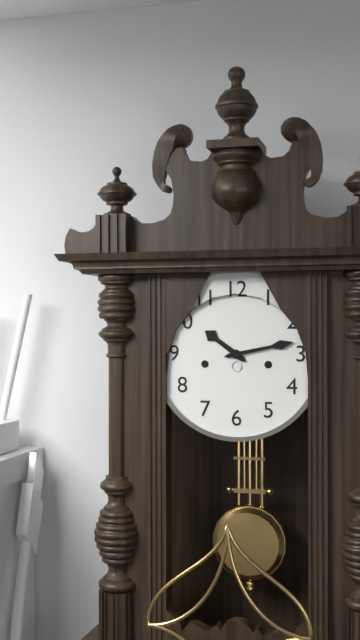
10:13
